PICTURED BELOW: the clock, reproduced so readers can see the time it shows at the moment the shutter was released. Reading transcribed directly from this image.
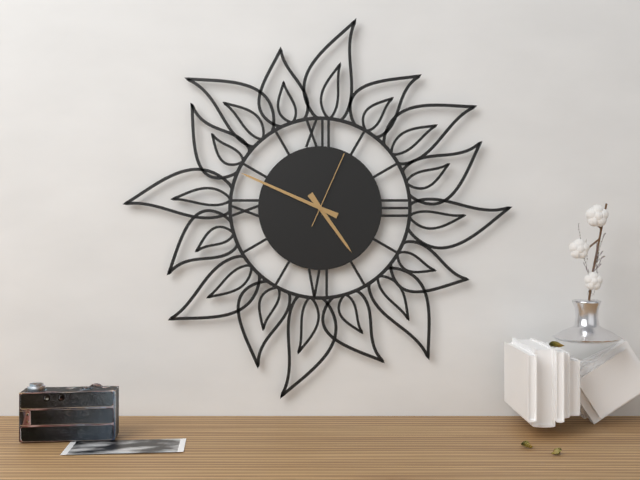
4:49:04
